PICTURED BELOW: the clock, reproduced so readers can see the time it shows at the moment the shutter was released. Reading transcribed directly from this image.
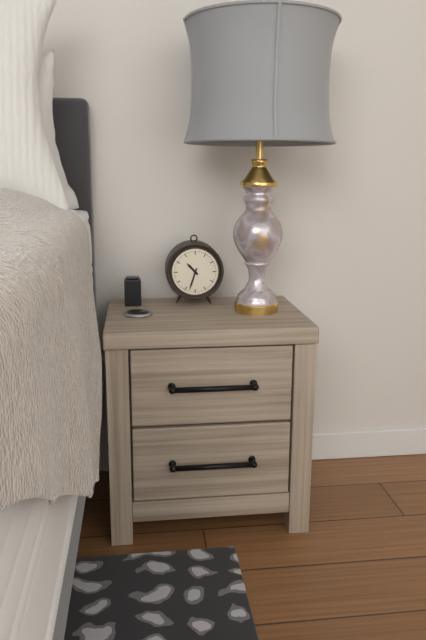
10:33
